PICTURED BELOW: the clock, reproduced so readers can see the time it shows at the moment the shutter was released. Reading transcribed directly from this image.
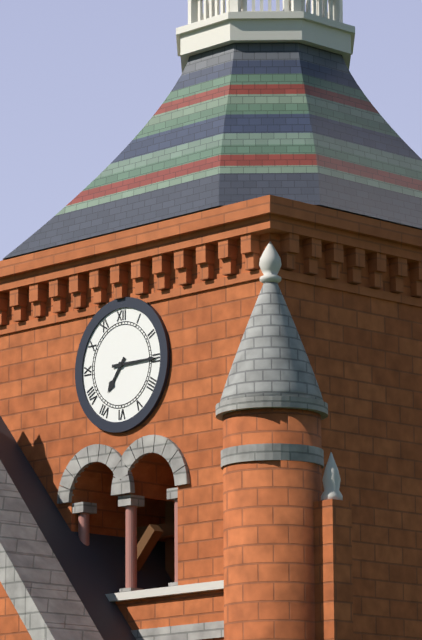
7:15
